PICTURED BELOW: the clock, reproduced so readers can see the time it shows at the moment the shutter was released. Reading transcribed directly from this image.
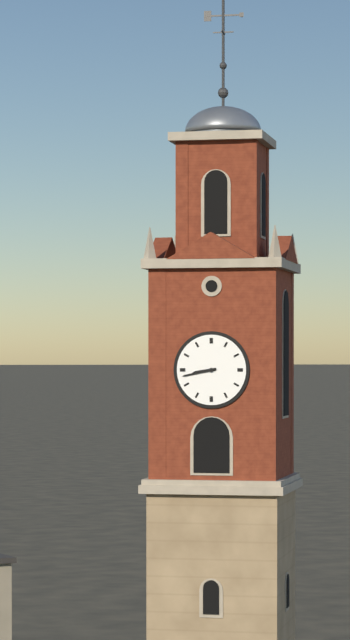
8:43
